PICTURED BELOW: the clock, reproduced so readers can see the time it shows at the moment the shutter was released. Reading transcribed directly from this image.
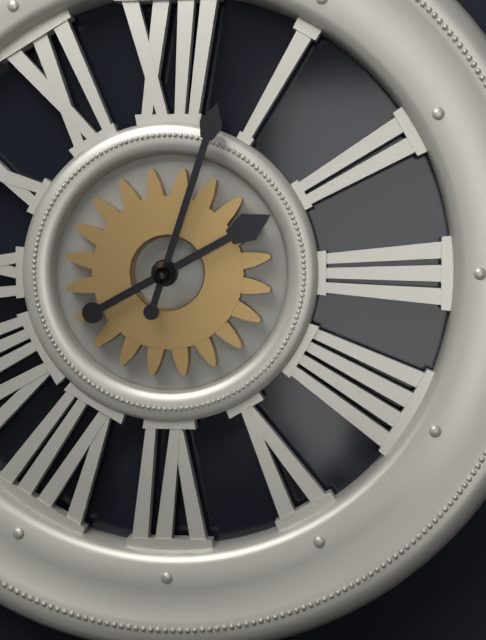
2:03
